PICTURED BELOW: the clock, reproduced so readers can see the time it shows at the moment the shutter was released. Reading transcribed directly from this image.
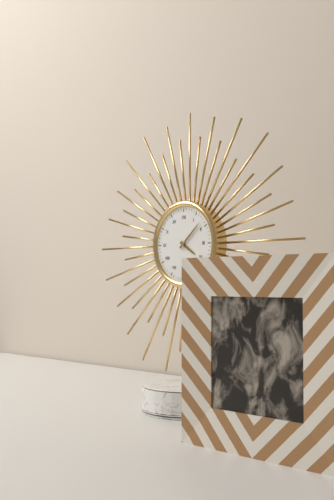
4:08
